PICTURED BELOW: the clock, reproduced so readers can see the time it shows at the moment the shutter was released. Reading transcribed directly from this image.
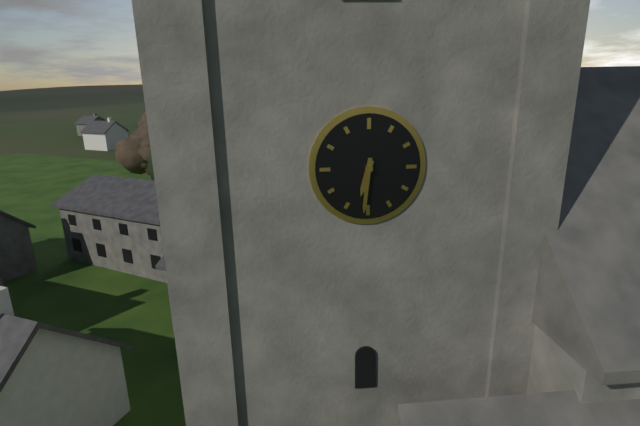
6:31
